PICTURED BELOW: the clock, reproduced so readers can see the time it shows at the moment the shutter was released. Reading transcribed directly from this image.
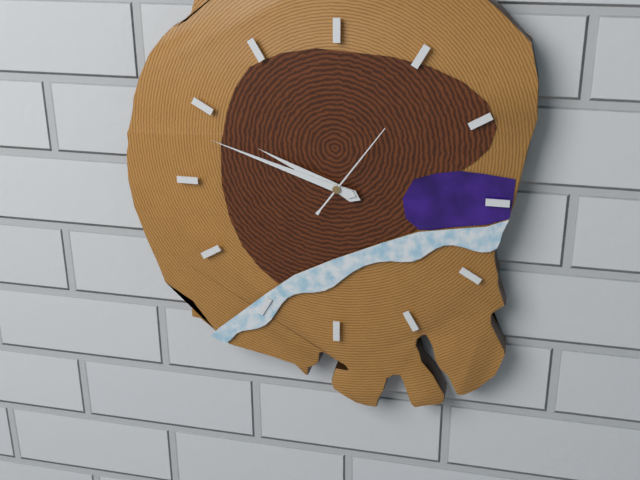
9:48:06
